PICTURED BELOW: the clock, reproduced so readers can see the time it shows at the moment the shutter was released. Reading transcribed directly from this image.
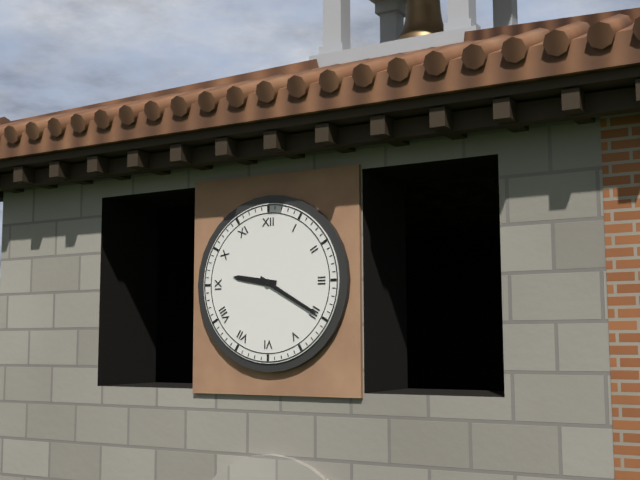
9:20
